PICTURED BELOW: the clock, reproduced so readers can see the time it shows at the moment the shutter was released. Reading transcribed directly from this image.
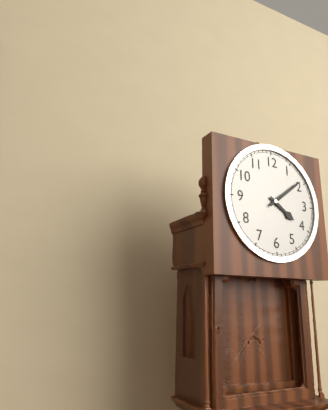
4:09
